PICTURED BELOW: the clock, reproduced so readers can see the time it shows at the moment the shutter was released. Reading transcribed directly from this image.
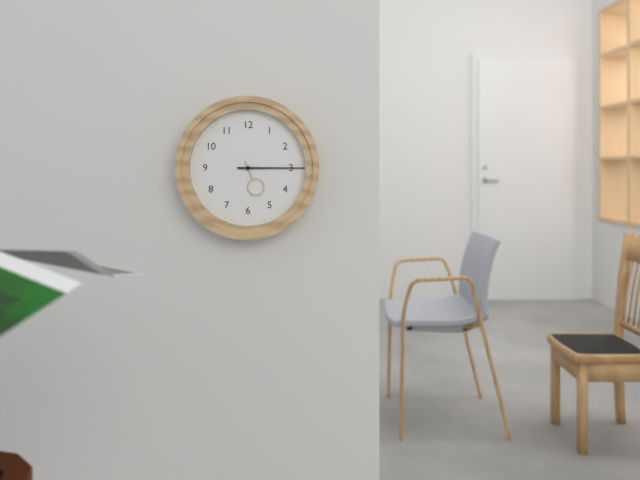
5:15
